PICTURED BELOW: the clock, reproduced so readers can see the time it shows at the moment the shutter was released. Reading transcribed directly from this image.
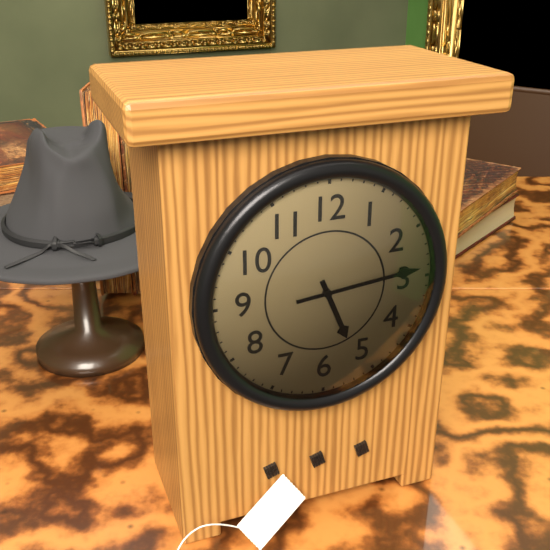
5:14
